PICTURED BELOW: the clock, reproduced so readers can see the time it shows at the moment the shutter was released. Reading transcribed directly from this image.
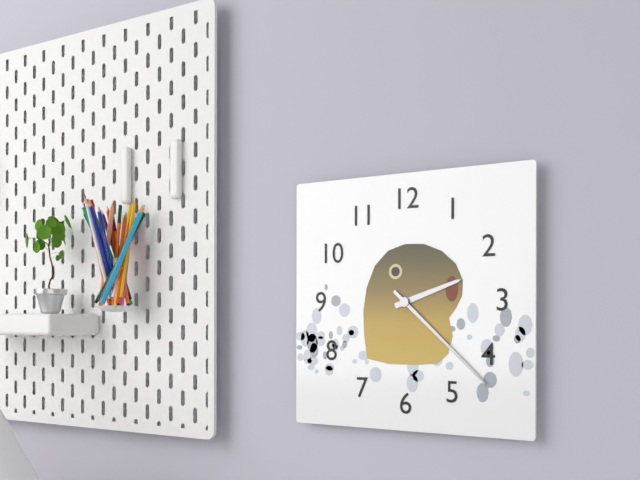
2:22
